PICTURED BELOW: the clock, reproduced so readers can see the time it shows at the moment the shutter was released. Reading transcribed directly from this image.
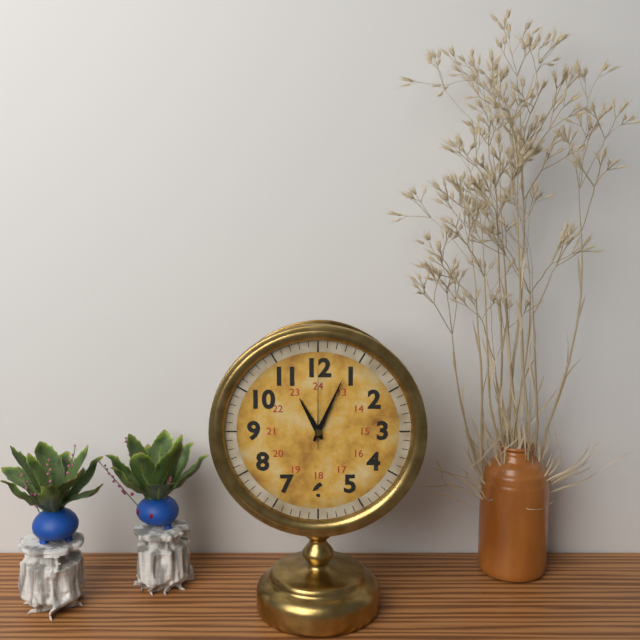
11:04:00
